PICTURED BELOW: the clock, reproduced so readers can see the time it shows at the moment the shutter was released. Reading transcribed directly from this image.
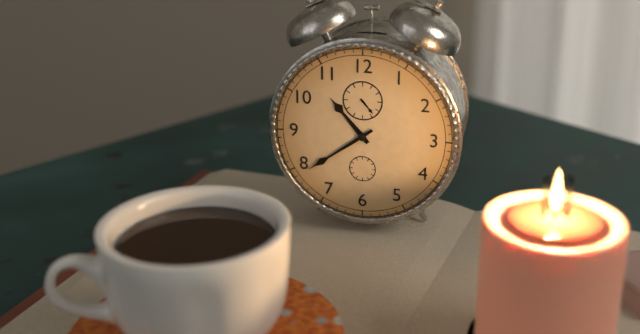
10:39
